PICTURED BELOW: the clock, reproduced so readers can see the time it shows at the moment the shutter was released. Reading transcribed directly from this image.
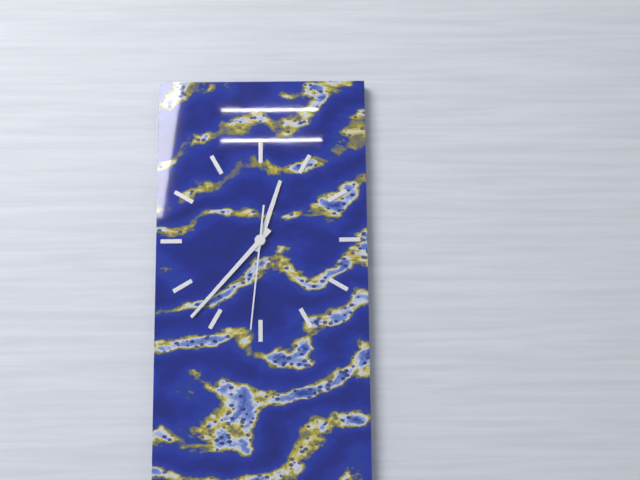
12:37:31
